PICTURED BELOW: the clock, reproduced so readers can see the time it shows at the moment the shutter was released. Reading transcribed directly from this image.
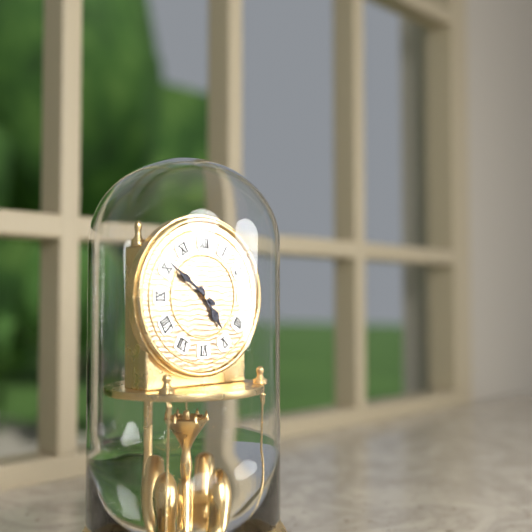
4:51
